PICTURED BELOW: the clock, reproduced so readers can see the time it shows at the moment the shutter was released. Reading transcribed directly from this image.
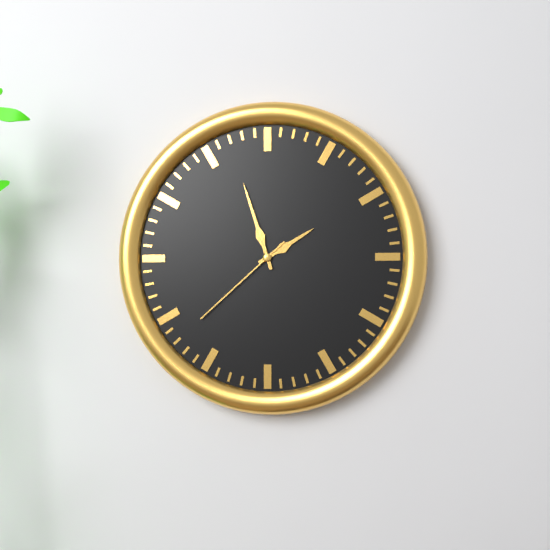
1:57:38
